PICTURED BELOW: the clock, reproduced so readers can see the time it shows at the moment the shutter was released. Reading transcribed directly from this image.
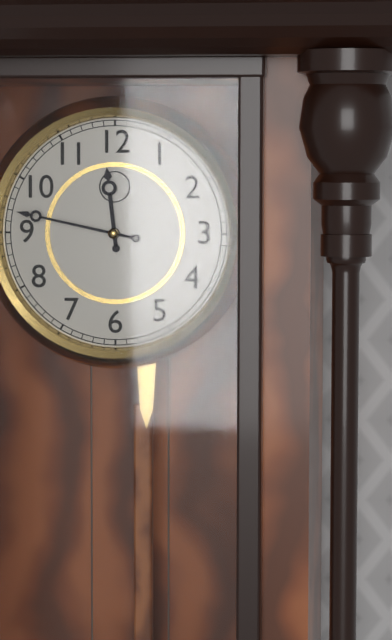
11:47
